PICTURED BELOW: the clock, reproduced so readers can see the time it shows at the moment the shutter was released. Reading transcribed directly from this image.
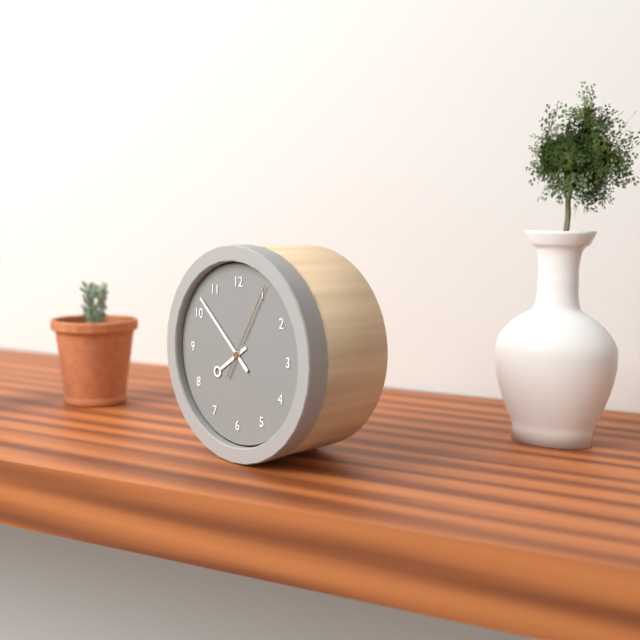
7:52:05
